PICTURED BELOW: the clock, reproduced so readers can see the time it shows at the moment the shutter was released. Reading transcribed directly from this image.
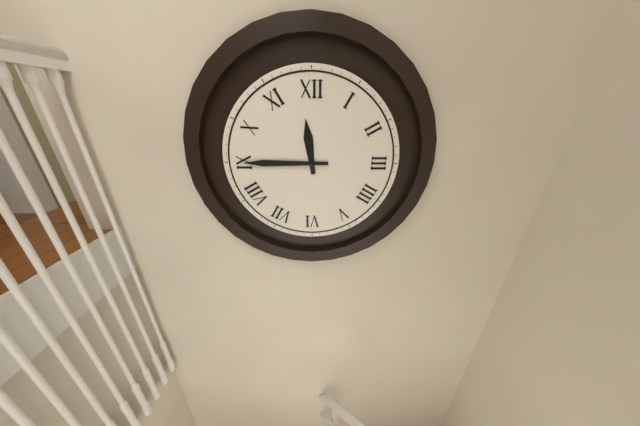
11:45
